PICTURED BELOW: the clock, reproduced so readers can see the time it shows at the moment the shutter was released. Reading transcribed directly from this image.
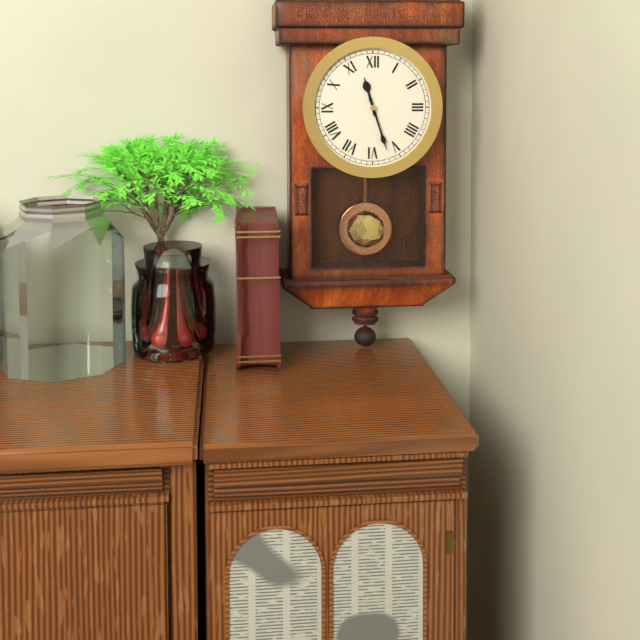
11:27
